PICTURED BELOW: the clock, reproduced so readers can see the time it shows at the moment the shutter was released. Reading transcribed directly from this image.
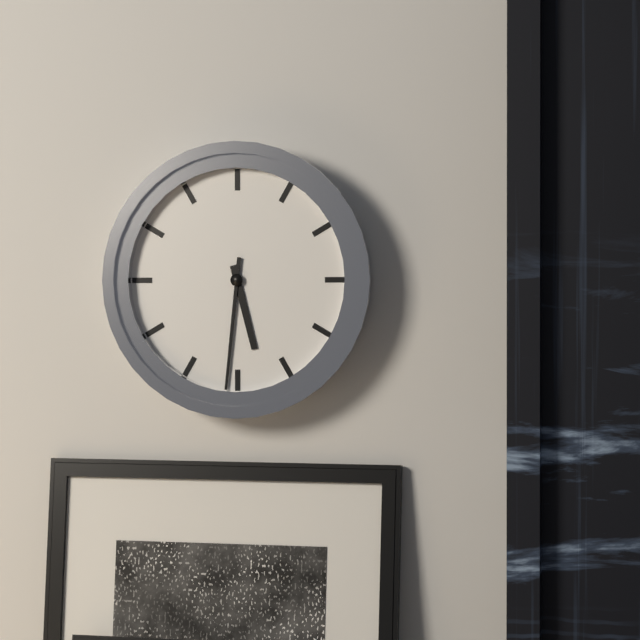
5:31
